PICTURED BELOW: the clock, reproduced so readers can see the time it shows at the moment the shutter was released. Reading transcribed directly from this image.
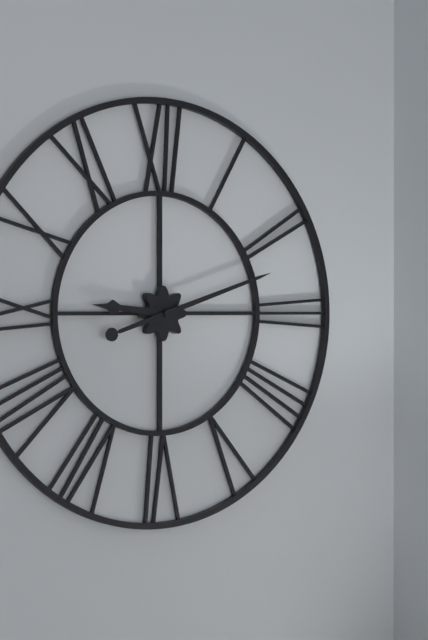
9:12
